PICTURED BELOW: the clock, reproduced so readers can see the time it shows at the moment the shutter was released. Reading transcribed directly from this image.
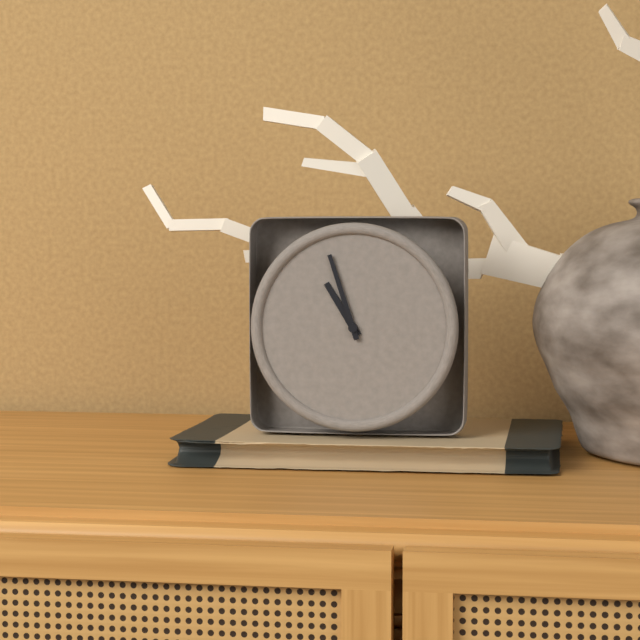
10:57
